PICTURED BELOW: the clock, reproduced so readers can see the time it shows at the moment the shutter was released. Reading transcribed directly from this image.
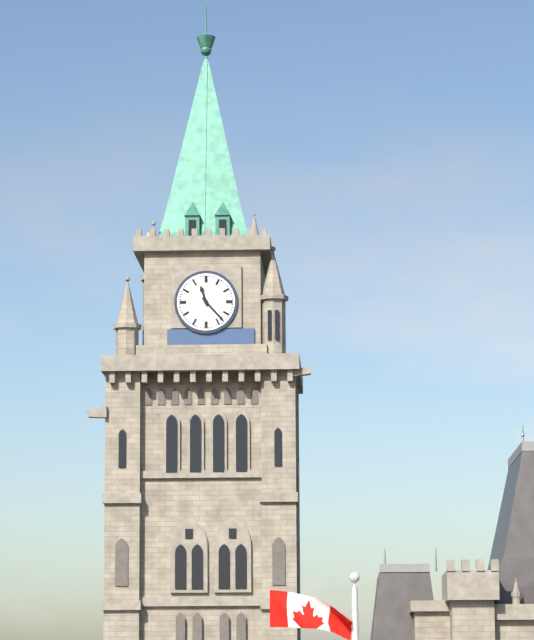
11:23
